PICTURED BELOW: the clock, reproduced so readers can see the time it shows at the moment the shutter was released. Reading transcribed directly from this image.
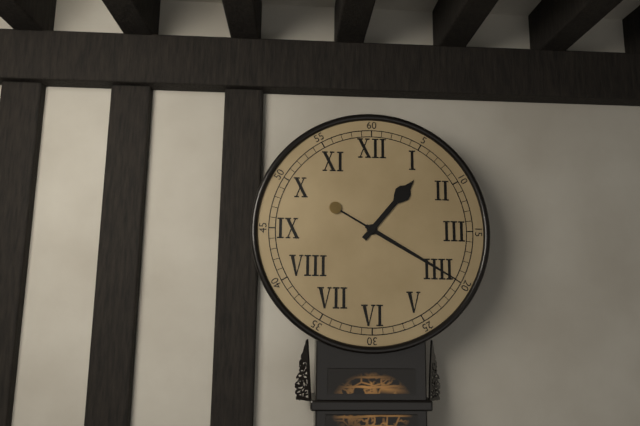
1:20
